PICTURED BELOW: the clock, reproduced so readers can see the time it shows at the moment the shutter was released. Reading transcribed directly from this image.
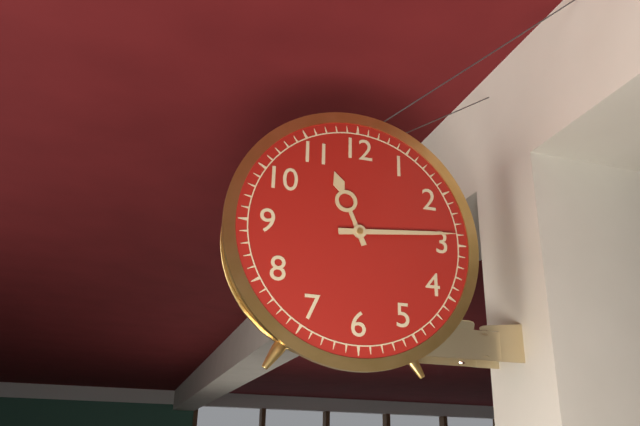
11:14
